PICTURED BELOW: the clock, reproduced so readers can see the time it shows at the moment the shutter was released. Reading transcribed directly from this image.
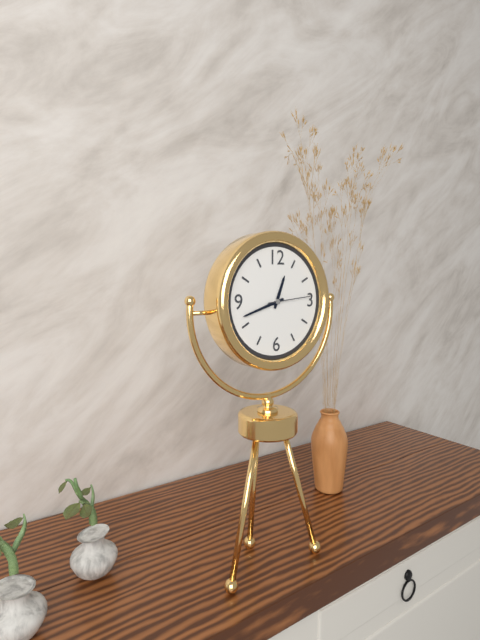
12:42
